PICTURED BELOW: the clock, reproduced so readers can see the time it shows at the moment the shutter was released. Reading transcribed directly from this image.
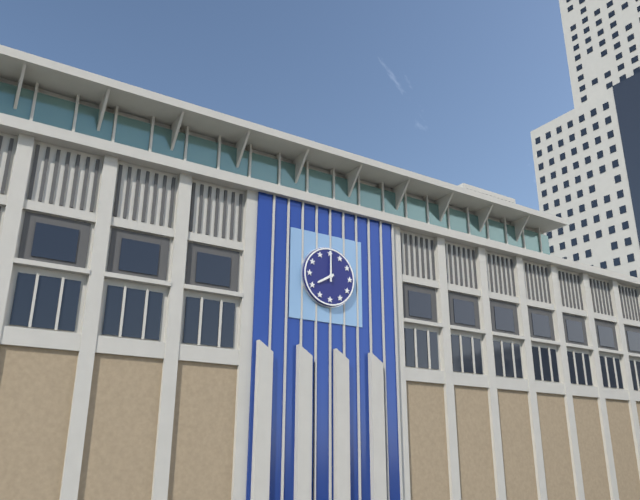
8:00
